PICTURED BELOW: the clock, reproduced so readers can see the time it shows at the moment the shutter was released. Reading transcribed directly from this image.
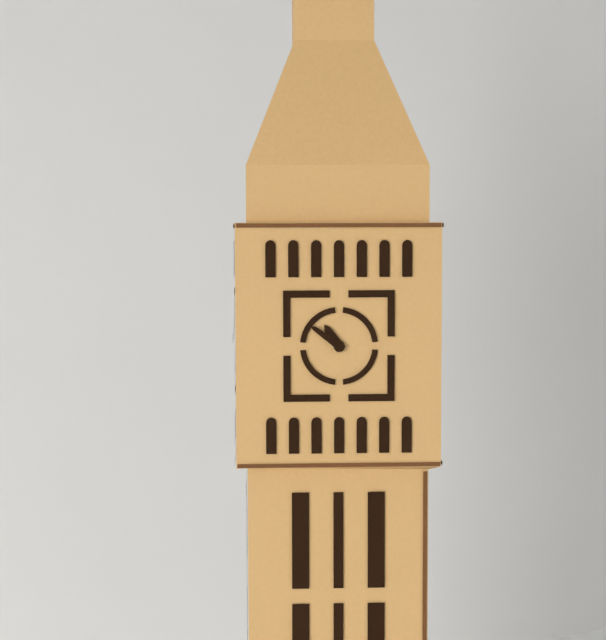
10:51
